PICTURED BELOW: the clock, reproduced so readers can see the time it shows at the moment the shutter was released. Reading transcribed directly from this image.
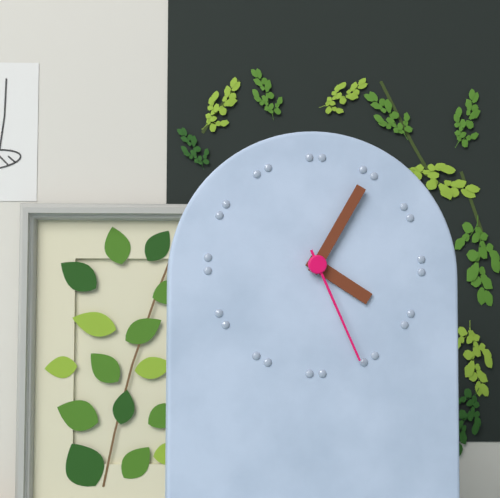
4:05:26
